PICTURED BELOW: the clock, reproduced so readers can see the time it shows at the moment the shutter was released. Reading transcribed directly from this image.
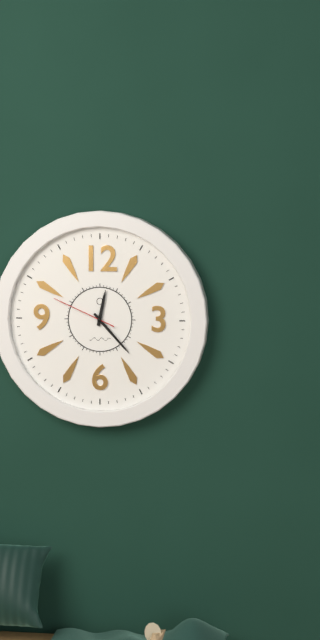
12:23:49
